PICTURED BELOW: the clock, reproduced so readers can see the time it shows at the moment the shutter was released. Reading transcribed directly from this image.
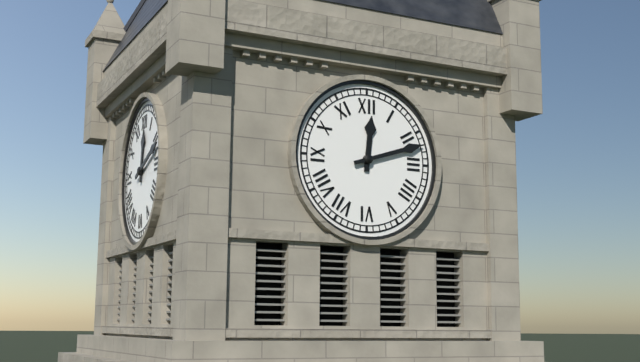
12:12
